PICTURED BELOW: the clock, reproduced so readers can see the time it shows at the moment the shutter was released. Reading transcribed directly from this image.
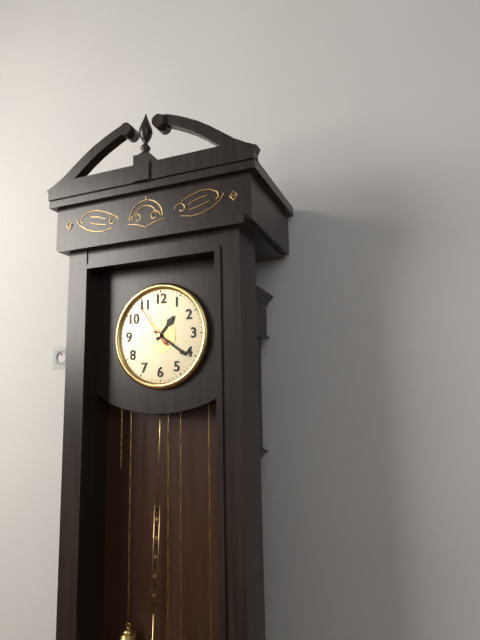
1:21
